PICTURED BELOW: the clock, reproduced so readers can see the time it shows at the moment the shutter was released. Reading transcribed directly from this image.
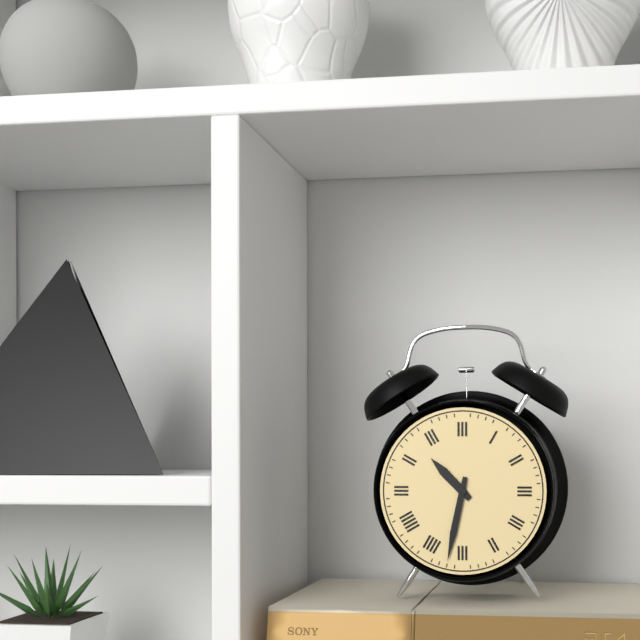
10:32
